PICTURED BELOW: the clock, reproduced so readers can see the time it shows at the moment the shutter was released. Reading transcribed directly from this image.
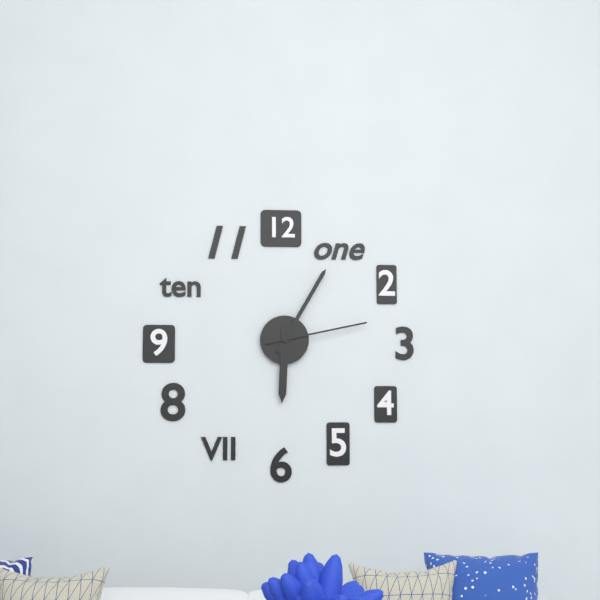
6:05:13
